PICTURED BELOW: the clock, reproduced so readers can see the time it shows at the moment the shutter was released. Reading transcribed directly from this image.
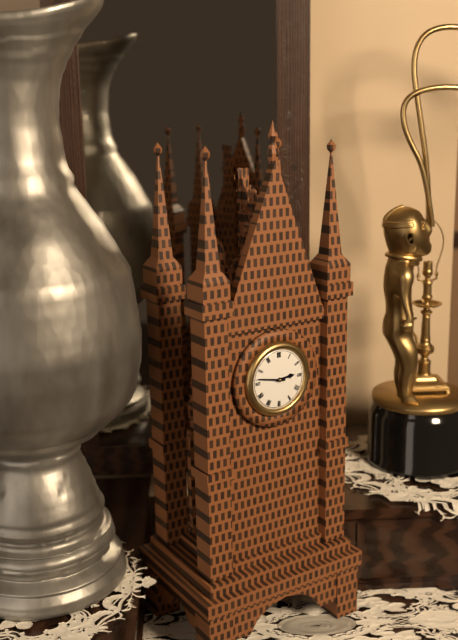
2:47
